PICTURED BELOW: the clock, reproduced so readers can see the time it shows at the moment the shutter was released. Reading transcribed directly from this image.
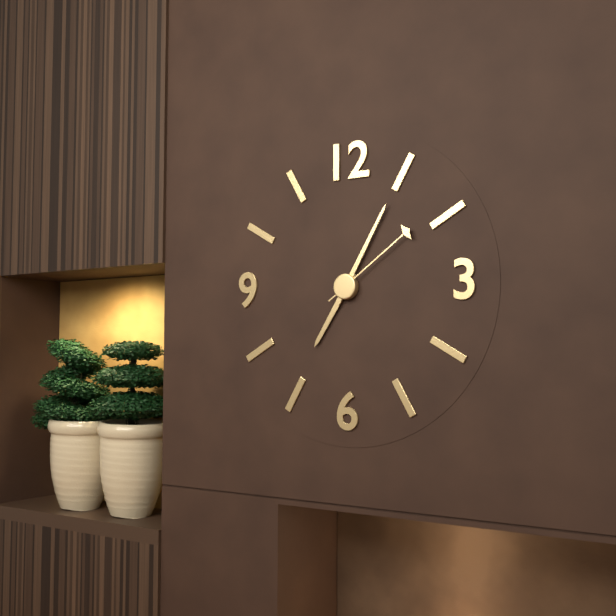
7:05:09
